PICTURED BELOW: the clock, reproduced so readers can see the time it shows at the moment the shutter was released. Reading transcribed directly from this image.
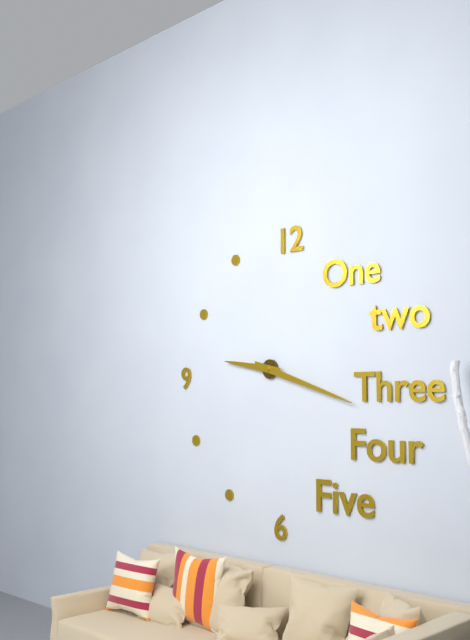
9:18
